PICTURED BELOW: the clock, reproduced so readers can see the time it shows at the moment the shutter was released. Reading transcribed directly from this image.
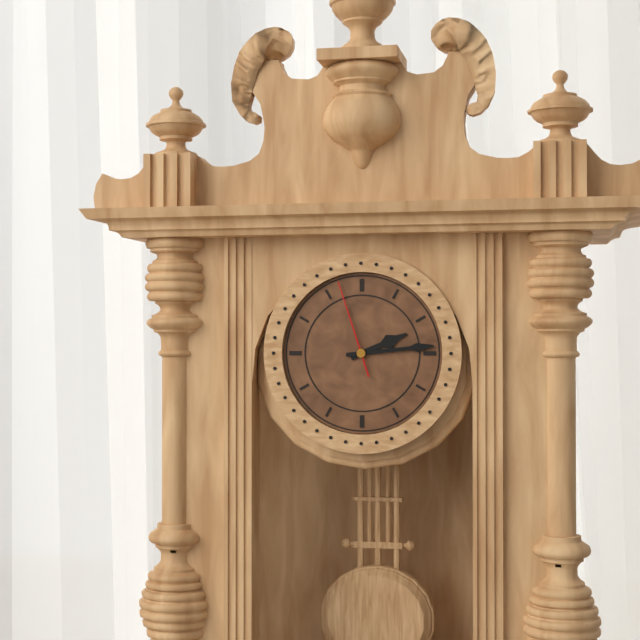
2:14:57
